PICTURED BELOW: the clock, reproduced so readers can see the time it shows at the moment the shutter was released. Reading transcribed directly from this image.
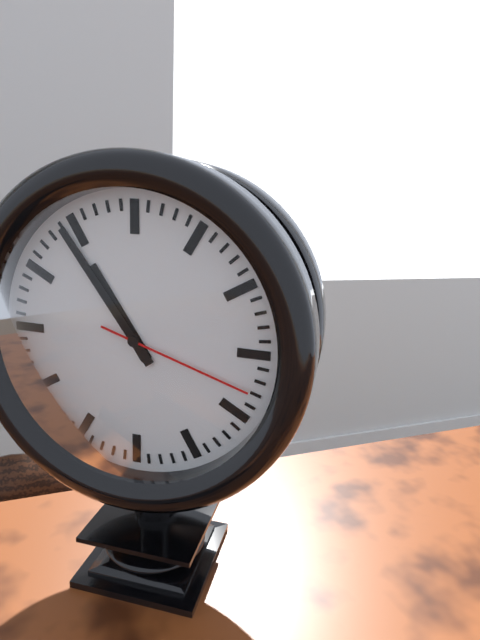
10:54:18
